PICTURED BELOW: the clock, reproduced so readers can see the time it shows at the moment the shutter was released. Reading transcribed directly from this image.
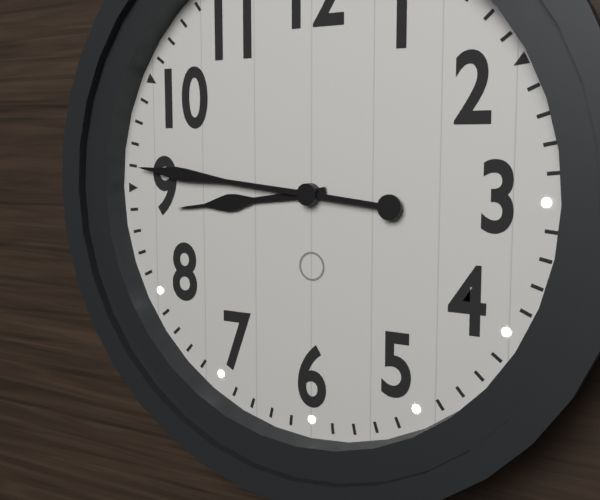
8:46
